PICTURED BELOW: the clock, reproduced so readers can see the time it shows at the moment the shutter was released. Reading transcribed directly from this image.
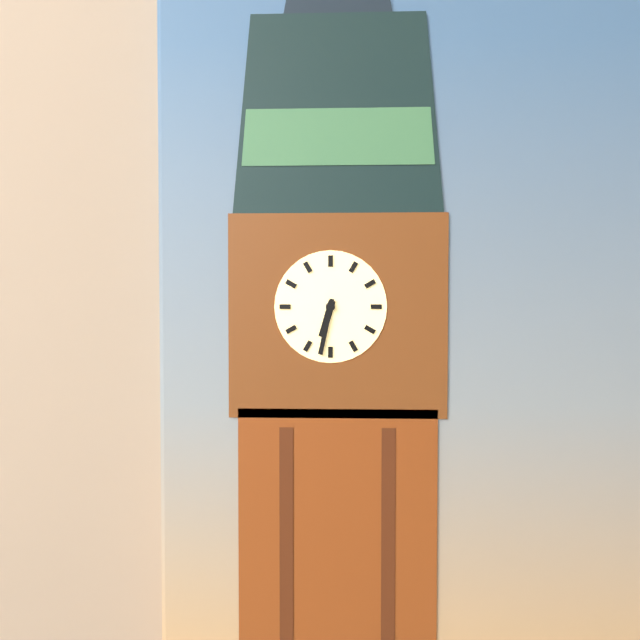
6:32
